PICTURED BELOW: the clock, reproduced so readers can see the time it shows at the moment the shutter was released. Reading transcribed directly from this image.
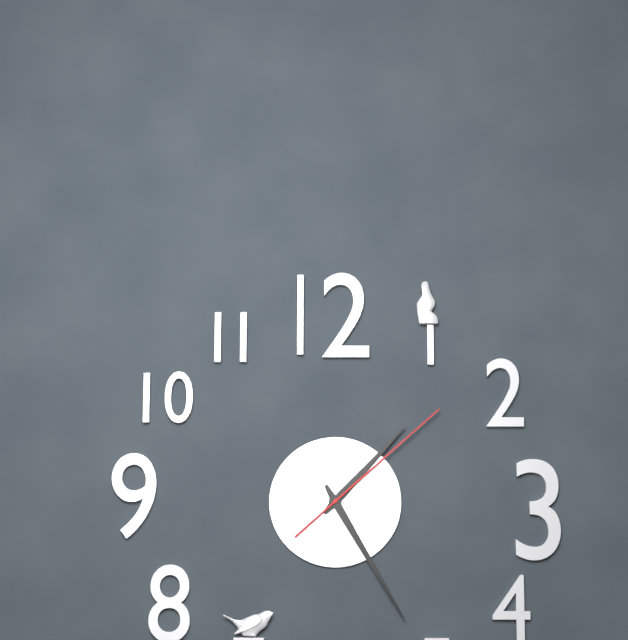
1:25:08
